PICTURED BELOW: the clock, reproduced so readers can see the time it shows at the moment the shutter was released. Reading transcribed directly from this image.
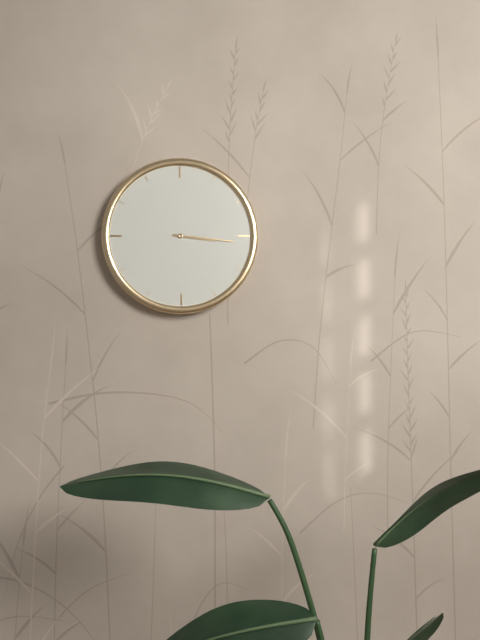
3:16
